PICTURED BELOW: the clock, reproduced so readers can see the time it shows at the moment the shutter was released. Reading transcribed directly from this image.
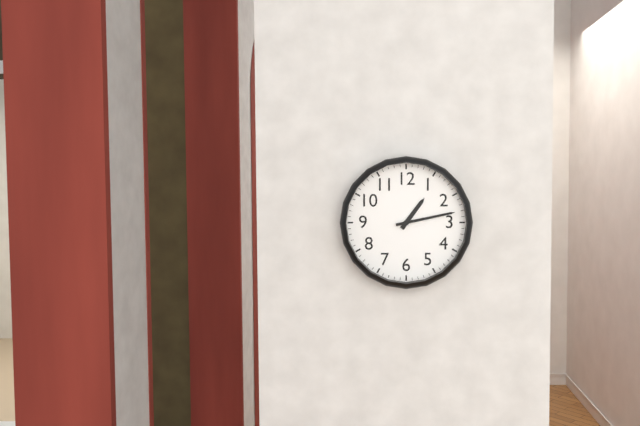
1:13
